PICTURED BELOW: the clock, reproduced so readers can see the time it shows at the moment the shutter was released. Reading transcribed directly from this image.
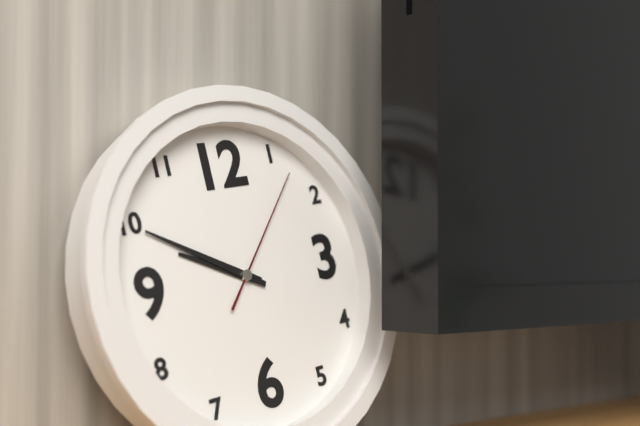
9:50:07
